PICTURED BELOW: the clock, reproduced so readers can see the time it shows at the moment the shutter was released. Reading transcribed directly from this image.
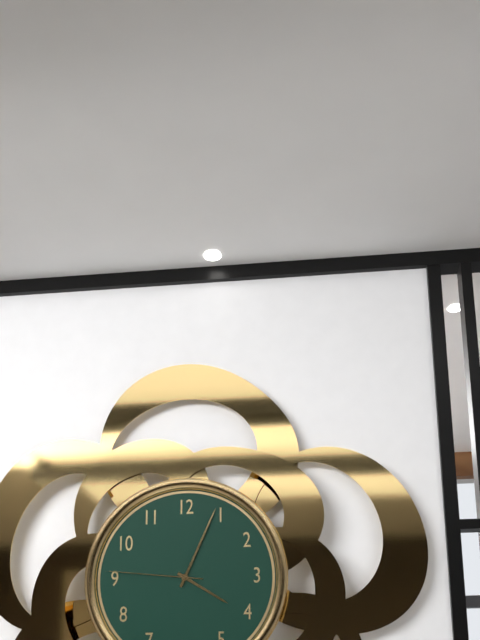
4:04:46
